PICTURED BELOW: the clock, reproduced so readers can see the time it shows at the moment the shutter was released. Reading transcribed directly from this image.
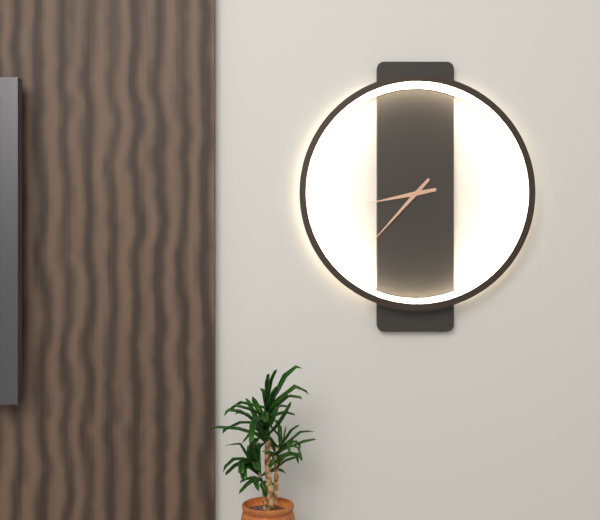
8:37
